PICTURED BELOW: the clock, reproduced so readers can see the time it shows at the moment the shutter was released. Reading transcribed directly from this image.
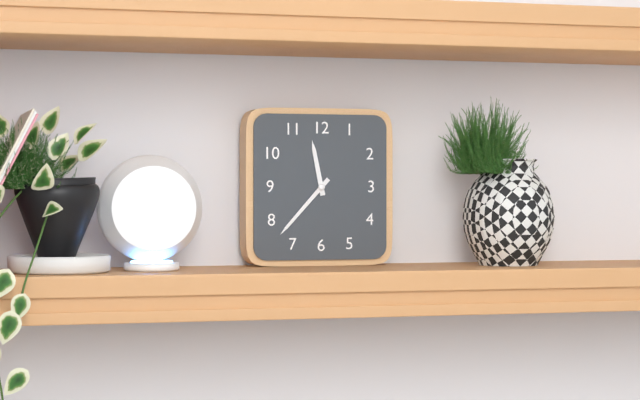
11:37
